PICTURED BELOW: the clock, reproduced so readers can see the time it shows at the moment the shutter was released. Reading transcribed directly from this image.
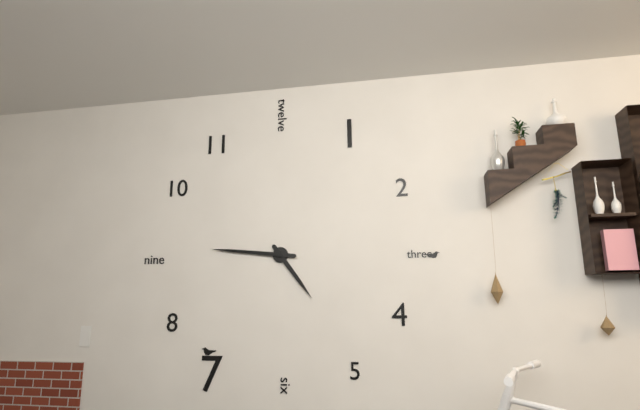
4:46
